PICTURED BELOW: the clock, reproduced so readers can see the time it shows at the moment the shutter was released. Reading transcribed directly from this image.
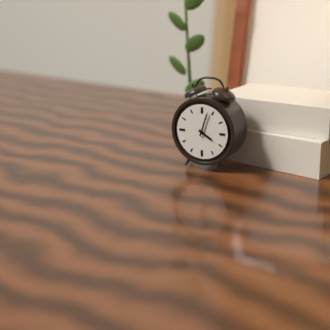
4:03
